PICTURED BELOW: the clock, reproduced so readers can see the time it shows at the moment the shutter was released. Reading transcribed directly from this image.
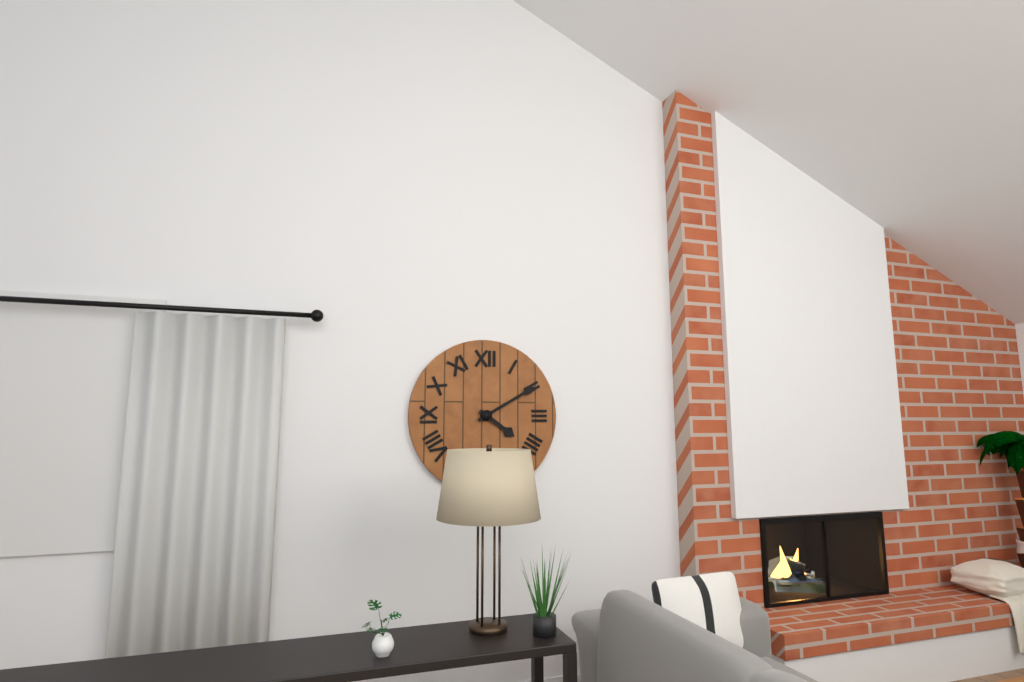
4:10
